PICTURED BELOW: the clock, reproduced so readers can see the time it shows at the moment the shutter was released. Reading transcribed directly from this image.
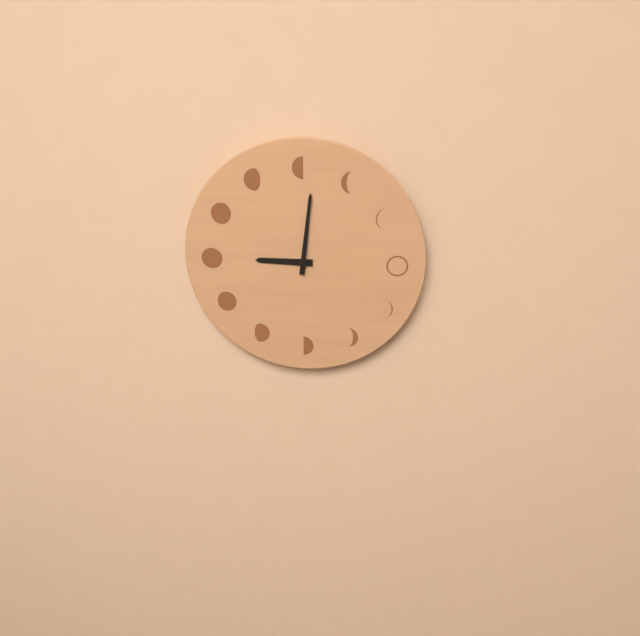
9:01
